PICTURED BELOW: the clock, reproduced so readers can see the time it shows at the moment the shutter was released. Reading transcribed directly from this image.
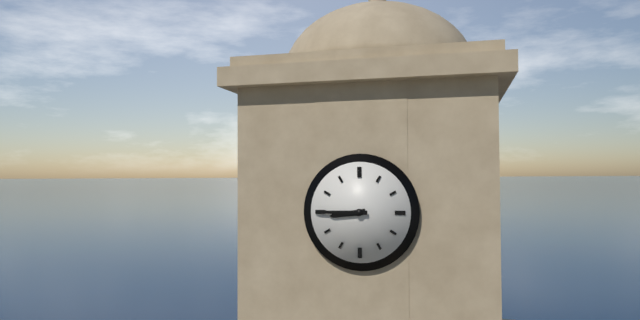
8:45
